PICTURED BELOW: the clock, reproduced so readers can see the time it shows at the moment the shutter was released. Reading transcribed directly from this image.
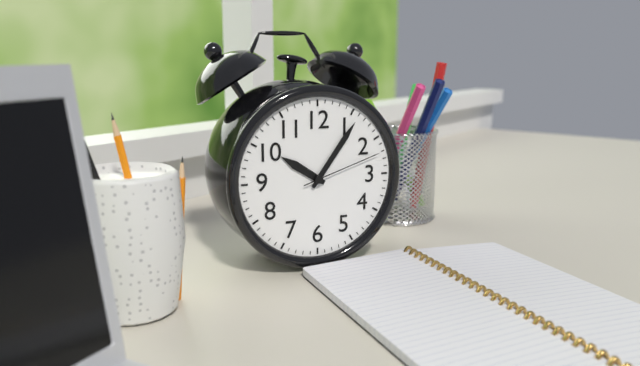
10:06:12
